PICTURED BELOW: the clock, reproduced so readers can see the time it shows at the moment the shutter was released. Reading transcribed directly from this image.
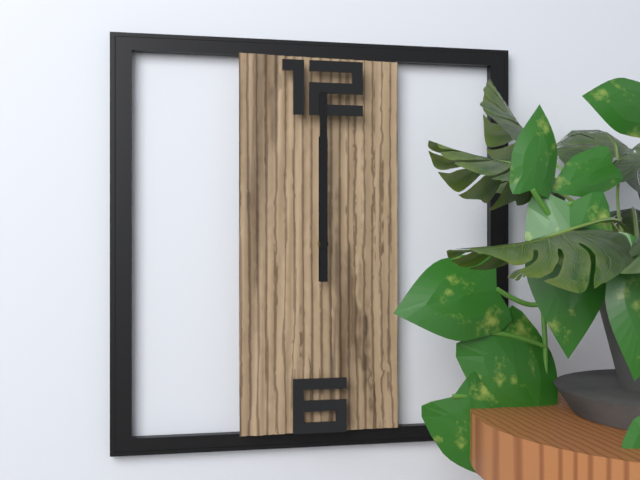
12:00
